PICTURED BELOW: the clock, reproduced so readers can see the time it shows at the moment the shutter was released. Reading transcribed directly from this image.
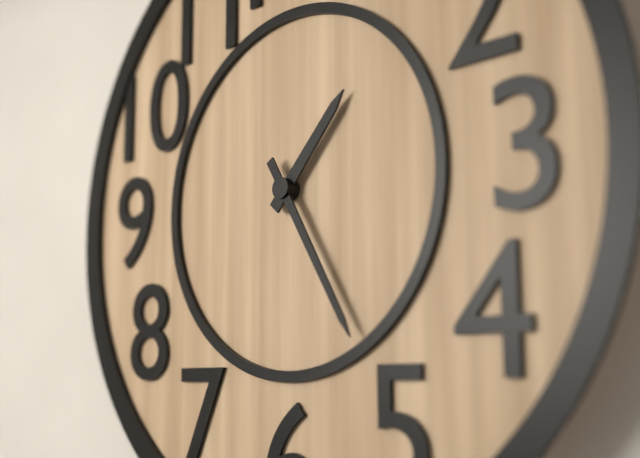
1:25
